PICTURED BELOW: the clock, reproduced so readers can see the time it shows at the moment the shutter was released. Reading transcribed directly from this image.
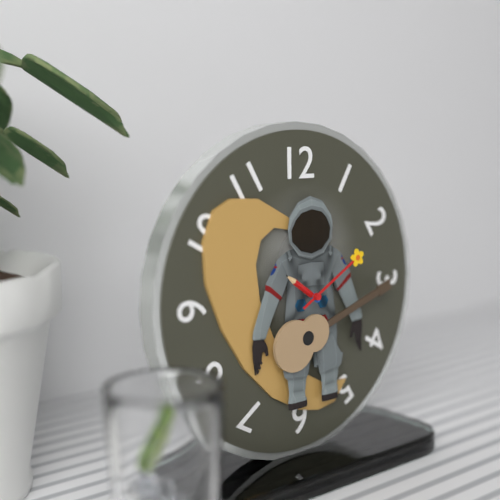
10:10
